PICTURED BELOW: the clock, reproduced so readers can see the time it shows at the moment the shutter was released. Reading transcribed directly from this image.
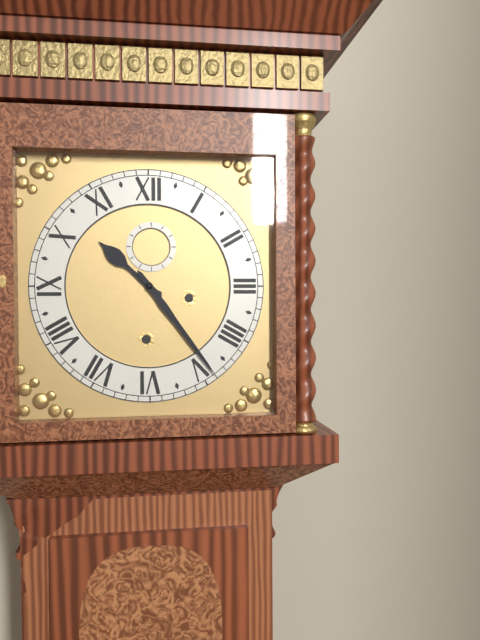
10:24
